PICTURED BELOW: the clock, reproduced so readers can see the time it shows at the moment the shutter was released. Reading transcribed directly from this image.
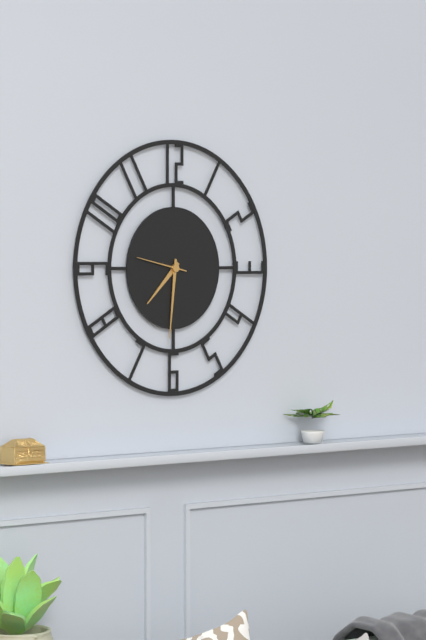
7:31:47
